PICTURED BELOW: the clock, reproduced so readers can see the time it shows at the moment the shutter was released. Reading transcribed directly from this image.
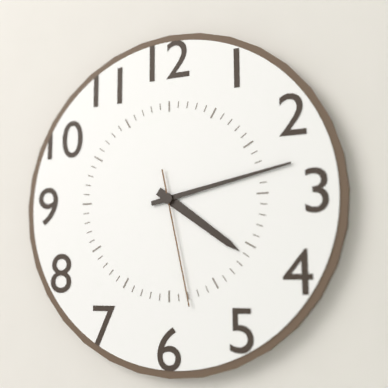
4:13:28
